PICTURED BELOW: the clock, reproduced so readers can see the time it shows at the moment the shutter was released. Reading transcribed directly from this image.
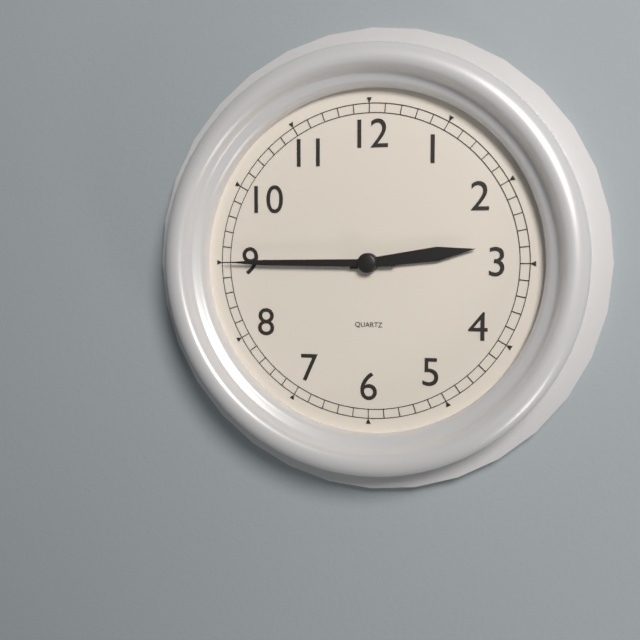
2:45
